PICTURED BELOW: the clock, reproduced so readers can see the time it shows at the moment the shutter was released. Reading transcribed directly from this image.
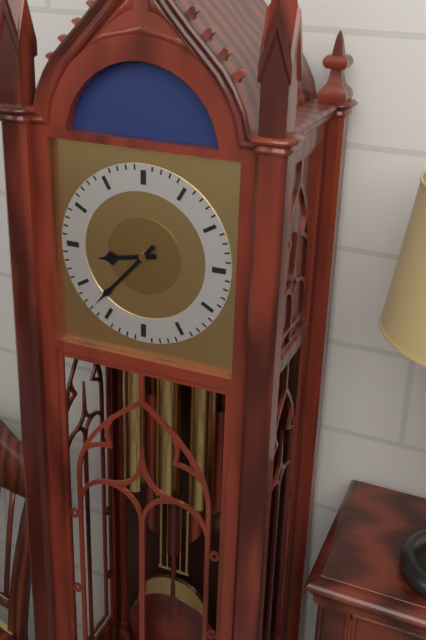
8:37
